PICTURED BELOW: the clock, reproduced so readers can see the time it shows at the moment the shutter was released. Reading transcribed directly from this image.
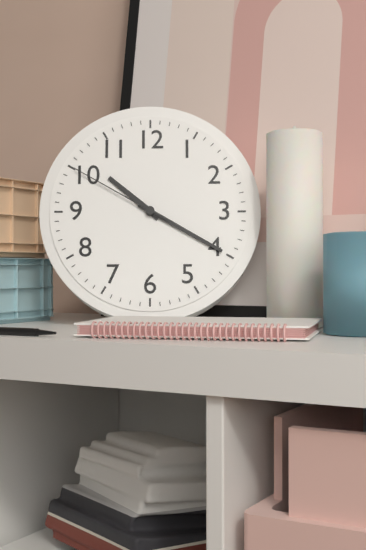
10:20:50
